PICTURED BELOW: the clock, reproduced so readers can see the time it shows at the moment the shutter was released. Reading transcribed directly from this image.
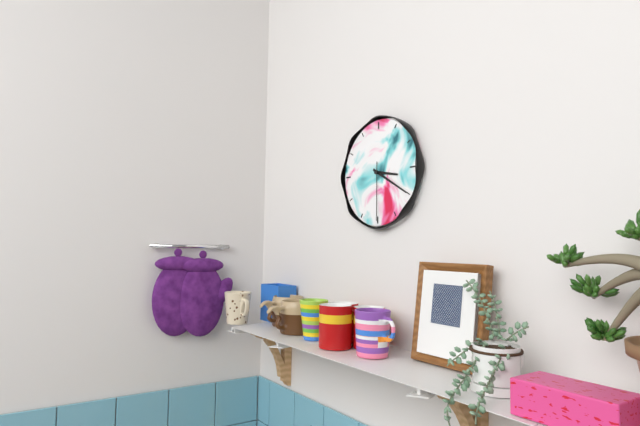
3:20:30
